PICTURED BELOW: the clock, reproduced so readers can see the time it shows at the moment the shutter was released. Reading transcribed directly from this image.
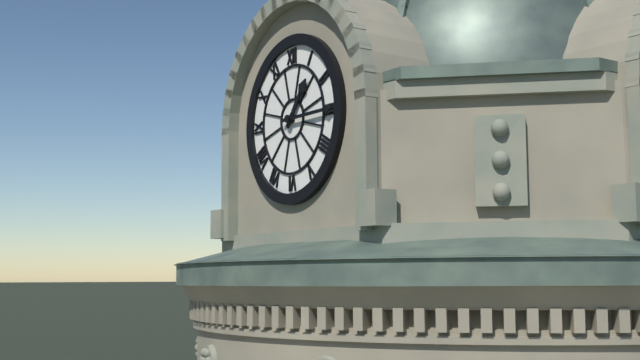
1:15
